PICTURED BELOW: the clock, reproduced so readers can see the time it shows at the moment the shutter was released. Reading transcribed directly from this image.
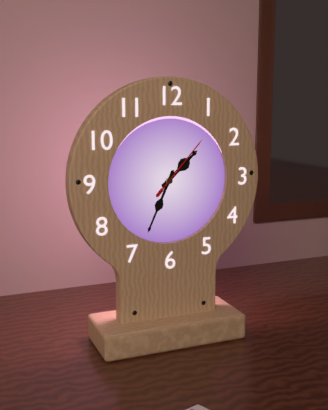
1:34:07
